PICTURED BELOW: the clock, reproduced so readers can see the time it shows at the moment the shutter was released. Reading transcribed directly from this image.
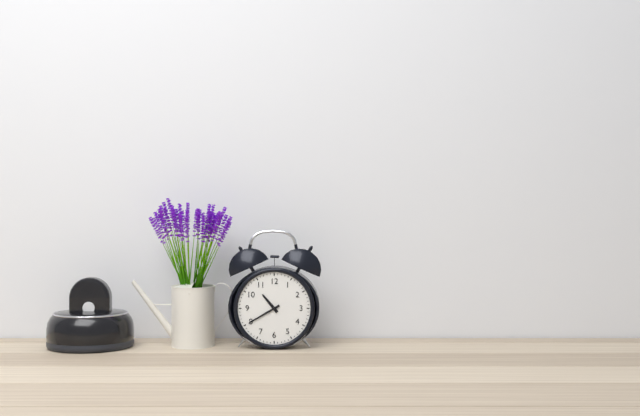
10:40
